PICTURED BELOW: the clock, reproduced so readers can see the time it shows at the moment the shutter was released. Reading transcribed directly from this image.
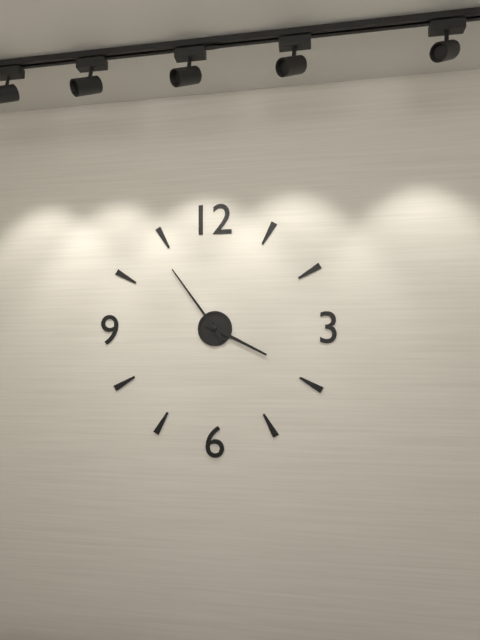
3:54
